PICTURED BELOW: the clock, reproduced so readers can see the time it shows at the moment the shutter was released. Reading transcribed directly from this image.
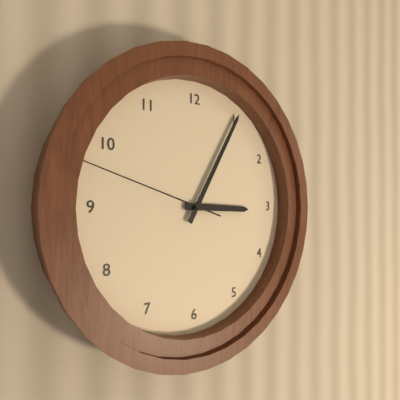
3:05:48
